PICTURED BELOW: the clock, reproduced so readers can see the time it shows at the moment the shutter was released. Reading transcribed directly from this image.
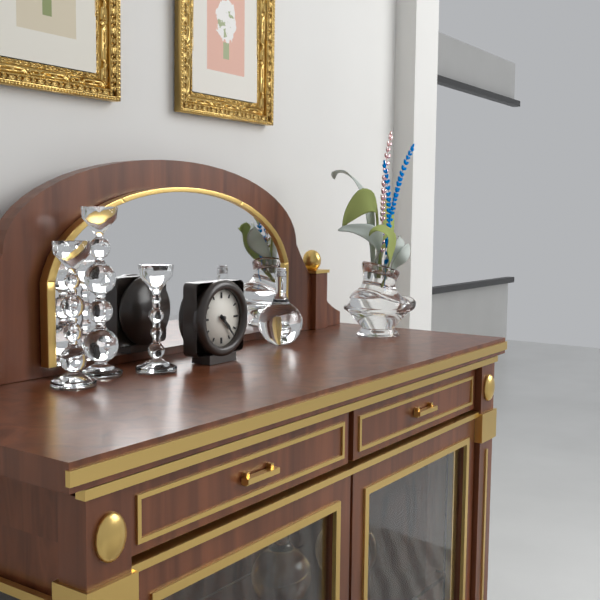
4:23
